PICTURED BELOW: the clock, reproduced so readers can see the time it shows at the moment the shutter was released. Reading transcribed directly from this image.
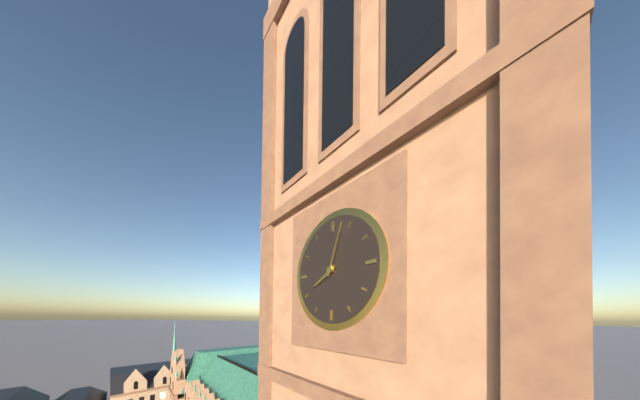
8:03
